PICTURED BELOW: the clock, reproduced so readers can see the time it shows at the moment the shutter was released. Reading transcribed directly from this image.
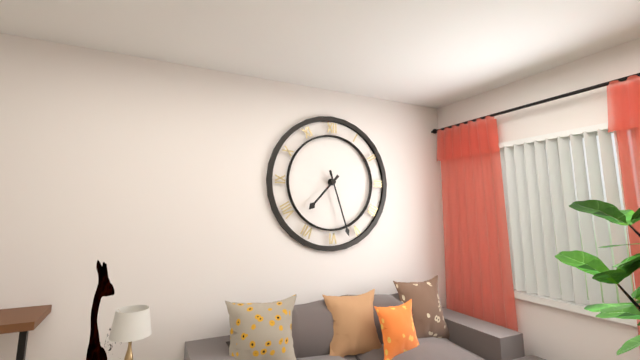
7:27
